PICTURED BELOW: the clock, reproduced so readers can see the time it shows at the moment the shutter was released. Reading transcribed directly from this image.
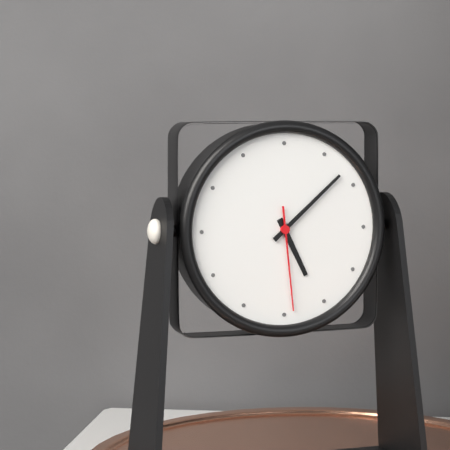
5:08:29
